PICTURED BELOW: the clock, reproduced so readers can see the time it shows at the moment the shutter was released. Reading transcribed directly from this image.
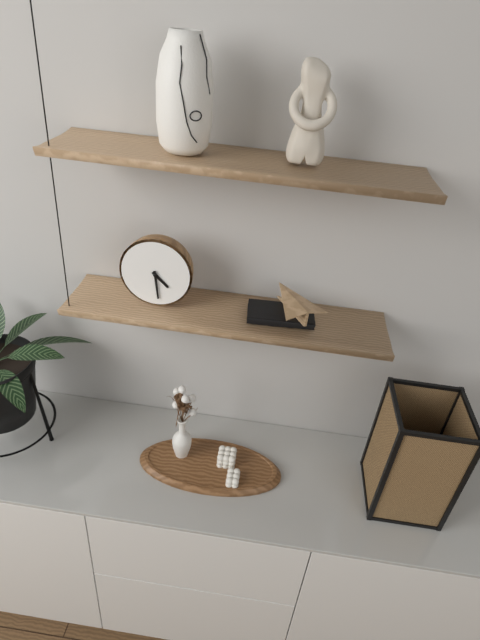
4:29
